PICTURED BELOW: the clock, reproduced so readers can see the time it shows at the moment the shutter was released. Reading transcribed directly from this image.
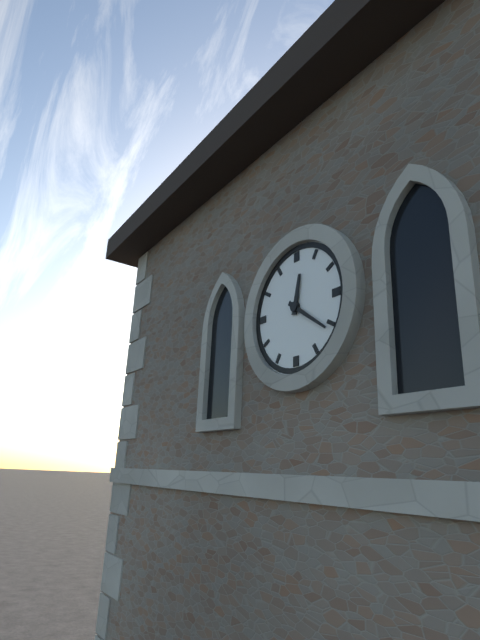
12:21
